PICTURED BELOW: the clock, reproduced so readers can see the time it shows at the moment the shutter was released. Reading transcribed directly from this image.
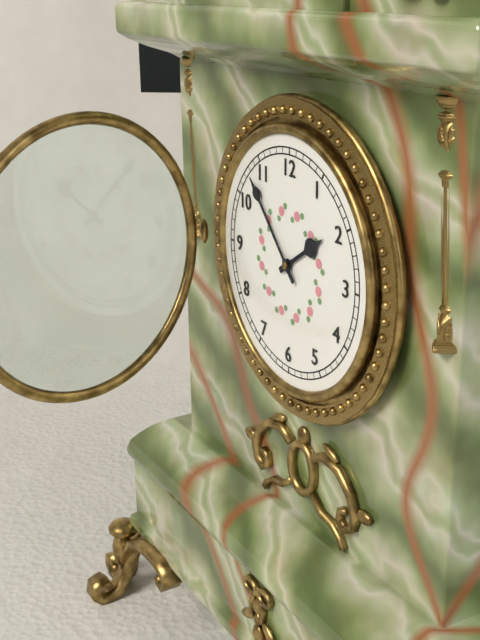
1:53
